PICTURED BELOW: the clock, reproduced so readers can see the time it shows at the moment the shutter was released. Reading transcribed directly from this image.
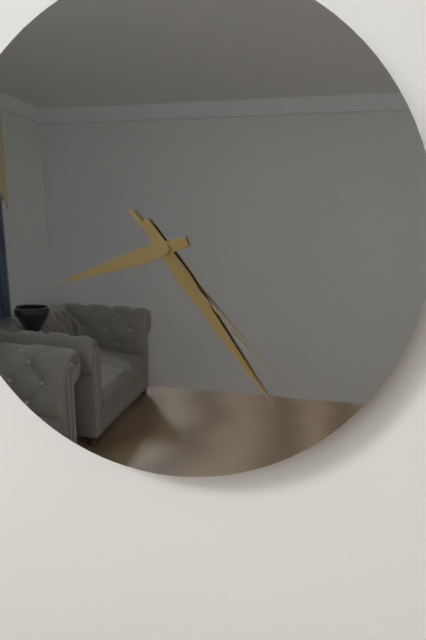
8:24:23
